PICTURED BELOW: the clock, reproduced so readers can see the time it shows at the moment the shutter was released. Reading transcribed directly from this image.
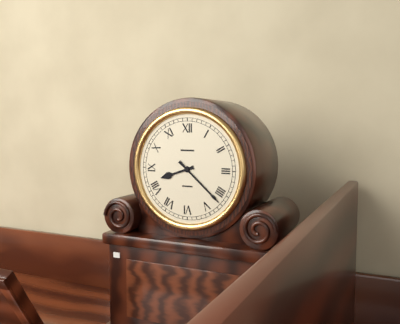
8:22
